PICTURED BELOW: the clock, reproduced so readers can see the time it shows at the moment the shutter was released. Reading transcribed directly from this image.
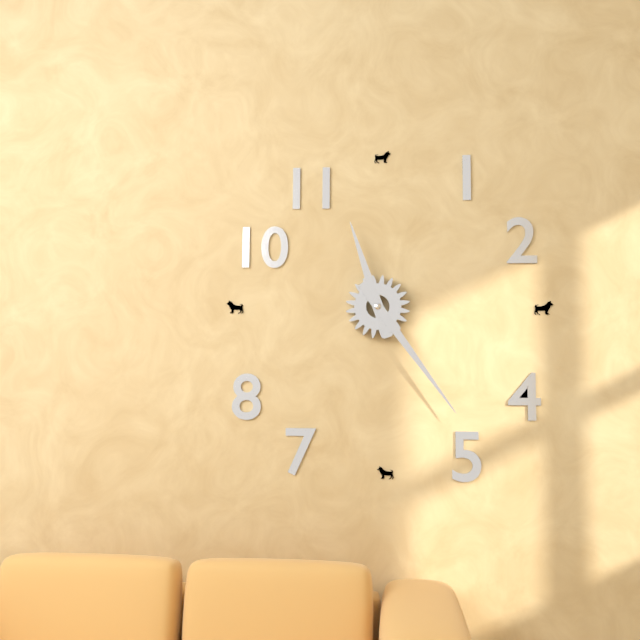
11:24
